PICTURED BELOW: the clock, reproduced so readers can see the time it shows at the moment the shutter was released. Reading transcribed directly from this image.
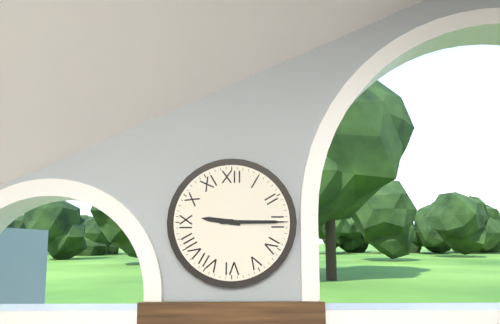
9:15
